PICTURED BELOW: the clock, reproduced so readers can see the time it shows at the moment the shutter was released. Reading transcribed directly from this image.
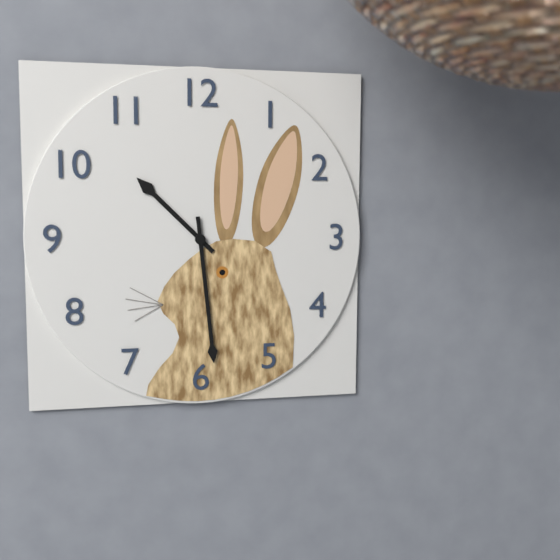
10:29
